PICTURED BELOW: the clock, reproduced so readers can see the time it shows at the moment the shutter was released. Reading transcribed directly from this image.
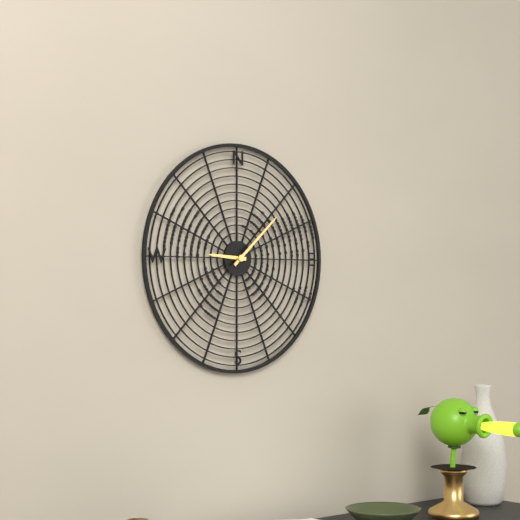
9:08
